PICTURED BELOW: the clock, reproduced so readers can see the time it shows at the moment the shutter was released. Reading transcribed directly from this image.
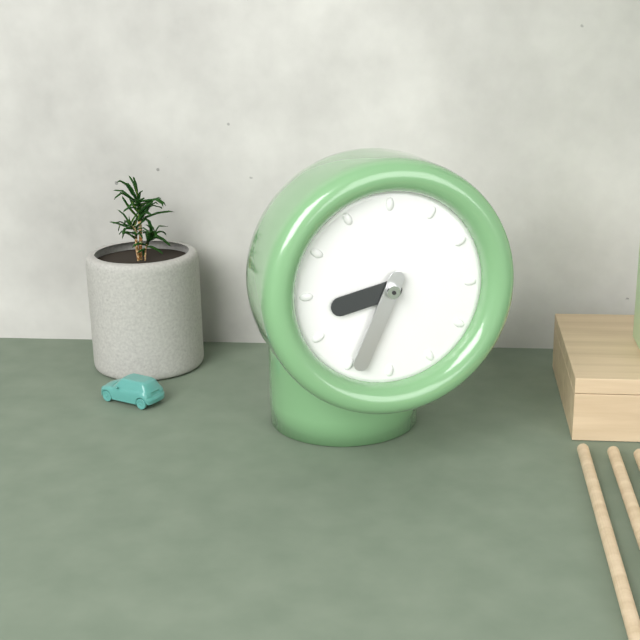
8:34
